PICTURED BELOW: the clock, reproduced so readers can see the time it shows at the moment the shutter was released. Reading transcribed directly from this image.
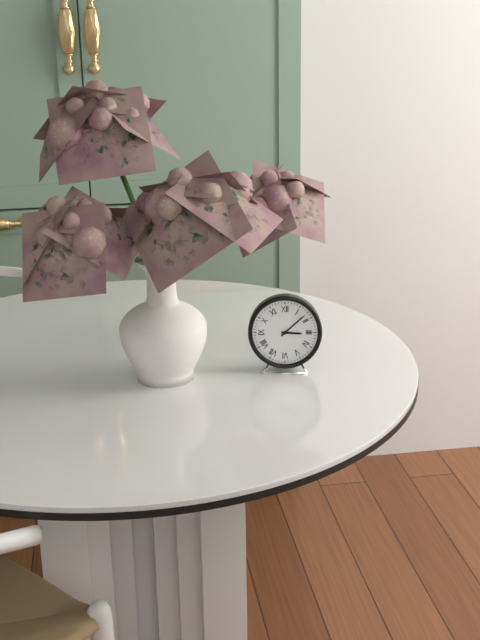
3:08
